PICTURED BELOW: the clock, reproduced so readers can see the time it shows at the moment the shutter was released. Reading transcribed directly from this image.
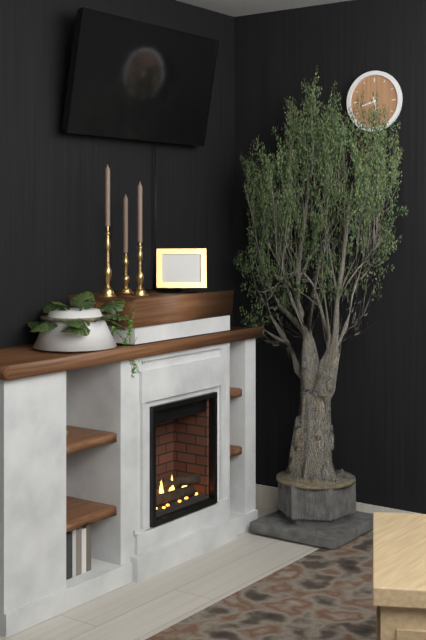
8:28
